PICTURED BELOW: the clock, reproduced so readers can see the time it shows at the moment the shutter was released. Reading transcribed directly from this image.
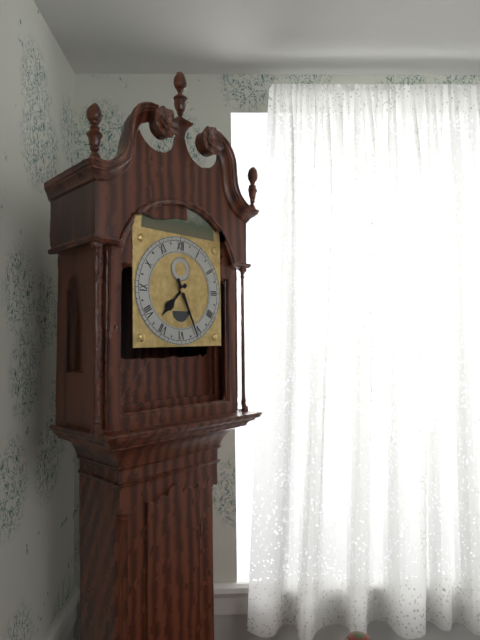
7:26
